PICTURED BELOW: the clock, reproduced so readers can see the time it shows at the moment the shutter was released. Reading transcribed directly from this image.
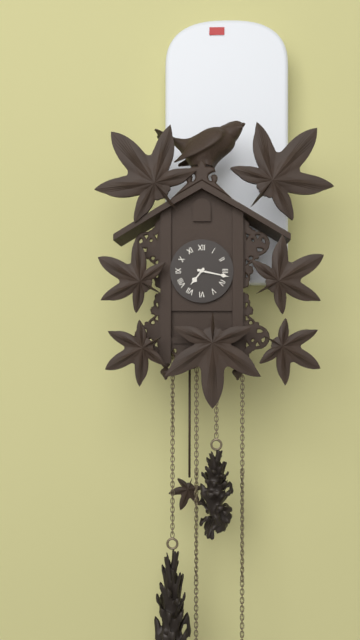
7:17
